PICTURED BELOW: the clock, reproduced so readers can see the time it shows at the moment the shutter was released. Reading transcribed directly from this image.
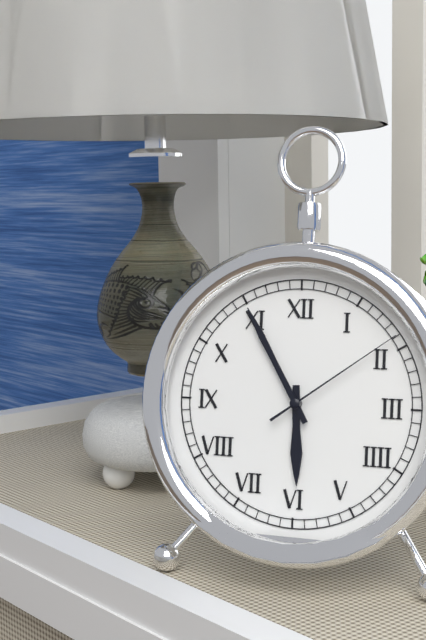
5:55:09
